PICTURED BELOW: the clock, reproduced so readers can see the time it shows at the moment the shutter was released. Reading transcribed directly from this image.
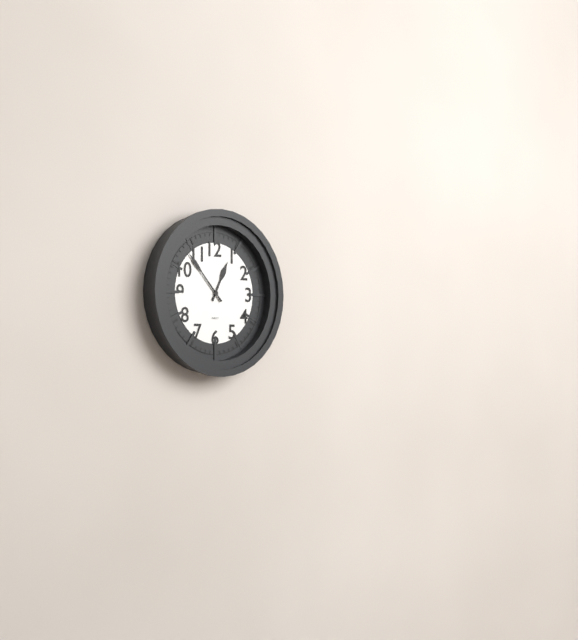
12:53
